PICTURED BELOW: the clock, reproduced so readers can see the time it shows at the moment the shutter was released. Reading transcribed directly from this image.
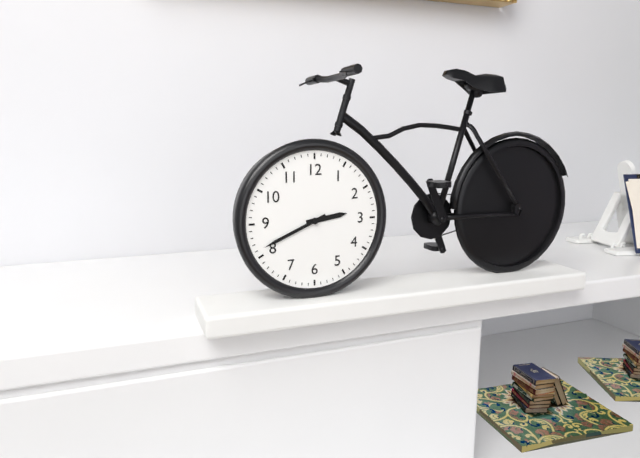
2:41
